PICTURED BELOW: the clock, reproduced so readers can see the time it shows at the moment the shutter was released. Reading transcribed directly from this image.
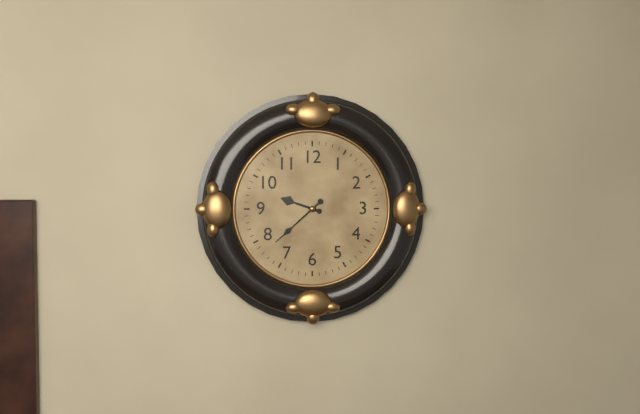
9:38
